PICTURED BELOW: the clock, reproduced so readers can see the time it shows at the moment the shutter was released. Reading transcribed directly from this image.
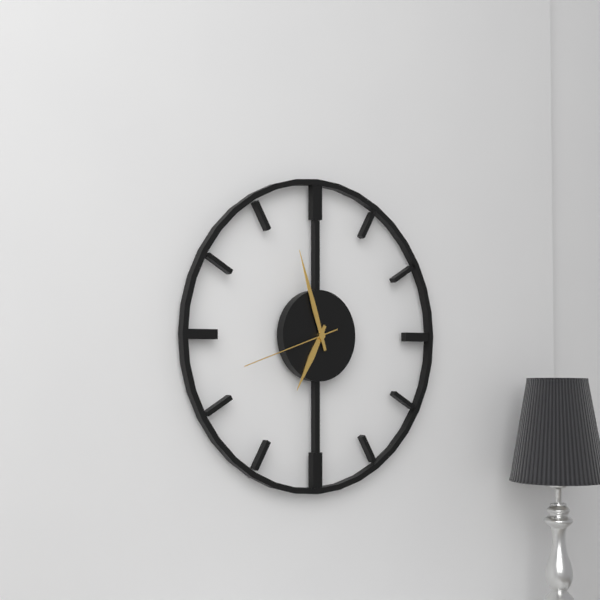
6:57:42
